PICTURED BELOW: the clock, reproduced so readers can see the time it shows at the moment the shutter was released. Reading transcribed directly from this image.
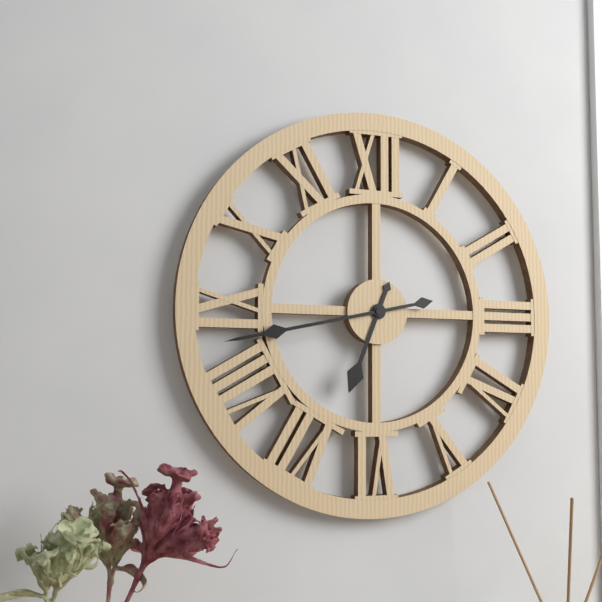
6:43
